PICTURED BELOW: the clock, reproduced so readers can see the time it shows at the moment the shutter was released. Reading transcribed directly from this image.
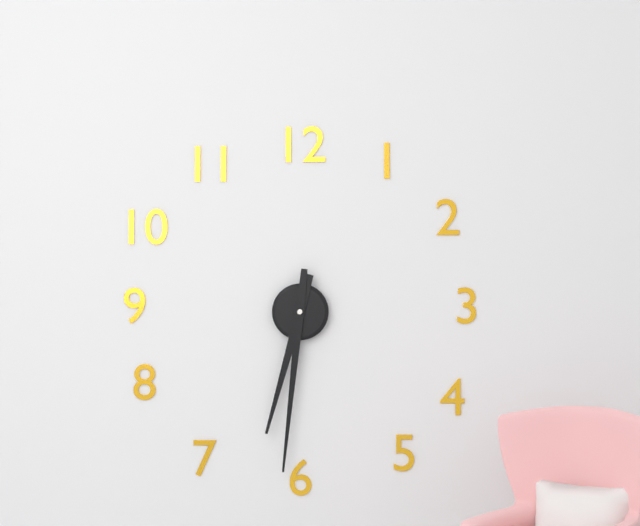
6:31
